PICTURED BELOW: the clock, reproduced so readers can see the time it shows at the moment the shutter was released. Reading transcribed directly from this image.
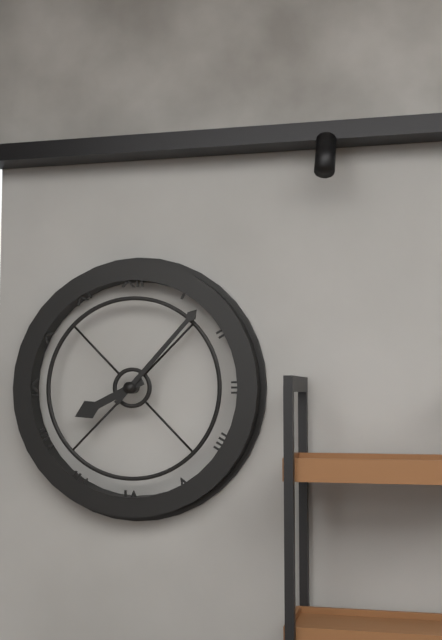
8:07
